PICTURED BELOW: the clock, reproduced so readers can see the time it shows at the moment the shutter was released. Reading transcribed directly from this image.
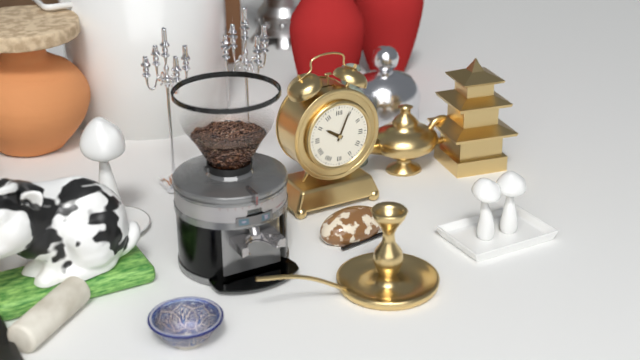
10:04
